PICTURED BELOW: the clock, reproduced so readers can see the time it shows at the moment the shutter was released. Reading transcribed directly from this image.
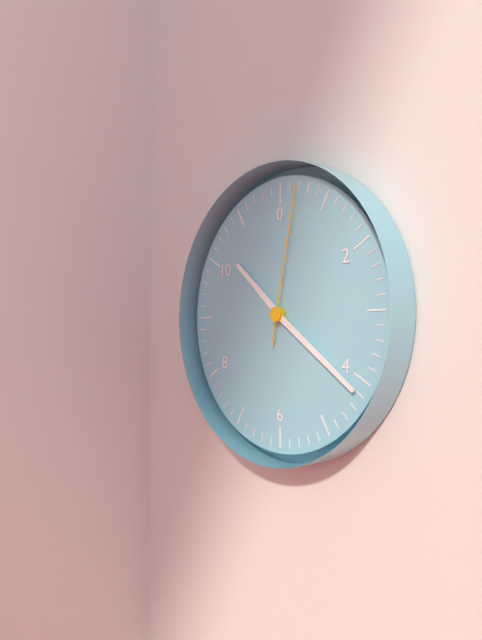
10:21:02
